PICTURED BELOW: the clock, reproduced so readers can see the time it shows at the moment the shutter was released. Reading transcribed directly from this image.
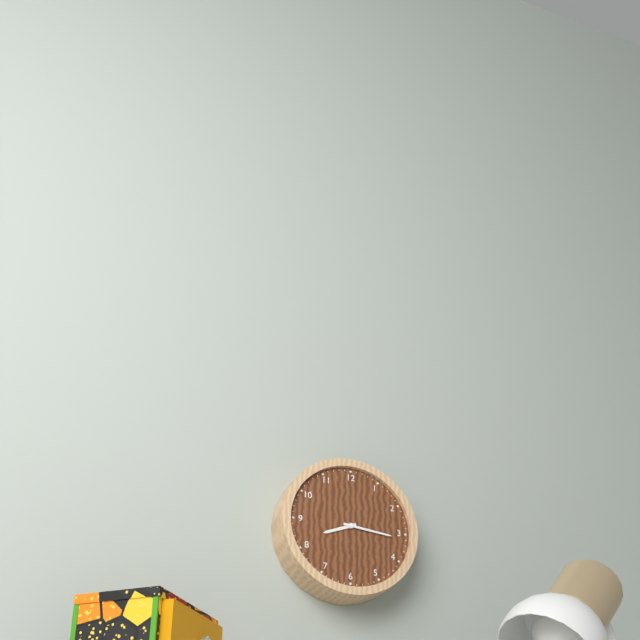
8:16
